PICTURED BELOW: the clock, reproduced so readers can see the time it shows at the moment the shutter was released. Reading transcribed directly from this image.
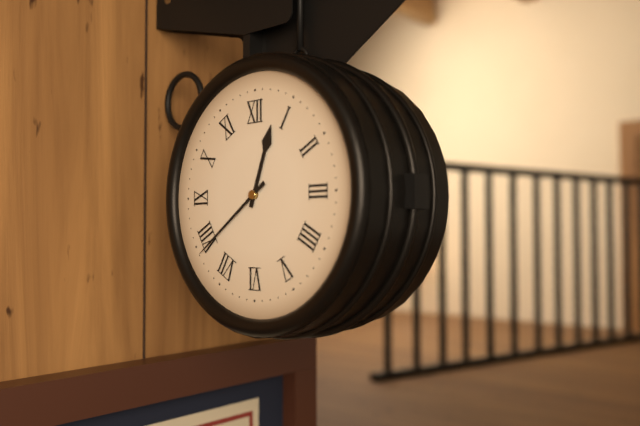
12:39
